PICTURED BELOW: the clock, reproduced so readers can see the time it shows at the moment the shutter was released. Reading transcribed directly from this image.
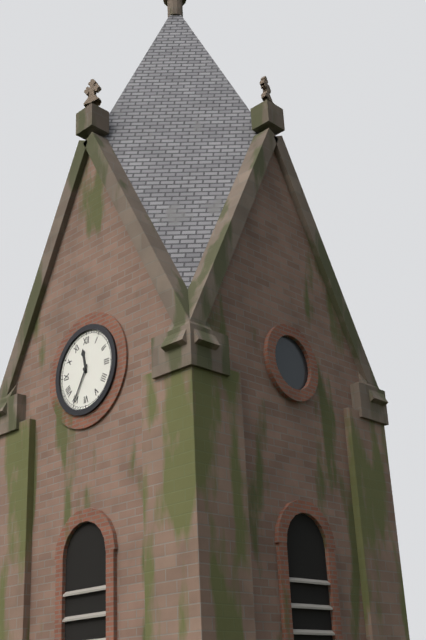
11:35
